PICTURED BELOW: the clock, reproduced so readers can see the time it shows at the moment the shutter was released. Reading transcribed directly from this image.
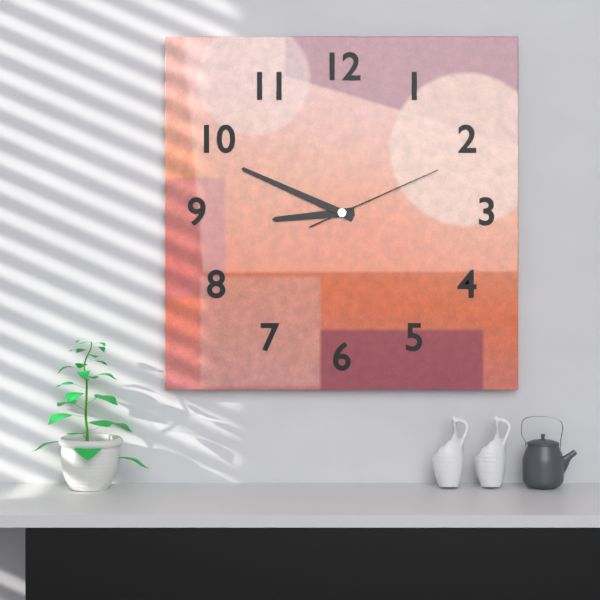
8:49:11
